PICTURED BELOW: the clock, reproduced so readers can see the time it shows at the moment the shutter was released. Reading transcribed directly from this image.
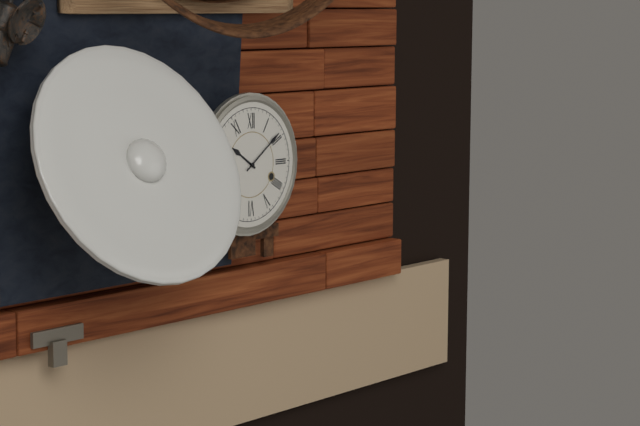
10:09
